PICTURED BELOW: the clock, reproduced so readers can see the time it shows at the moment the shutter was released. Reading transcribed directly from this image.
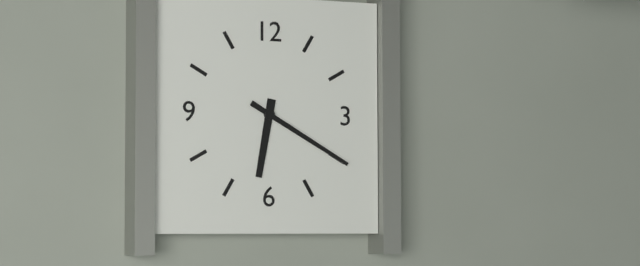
6:20
